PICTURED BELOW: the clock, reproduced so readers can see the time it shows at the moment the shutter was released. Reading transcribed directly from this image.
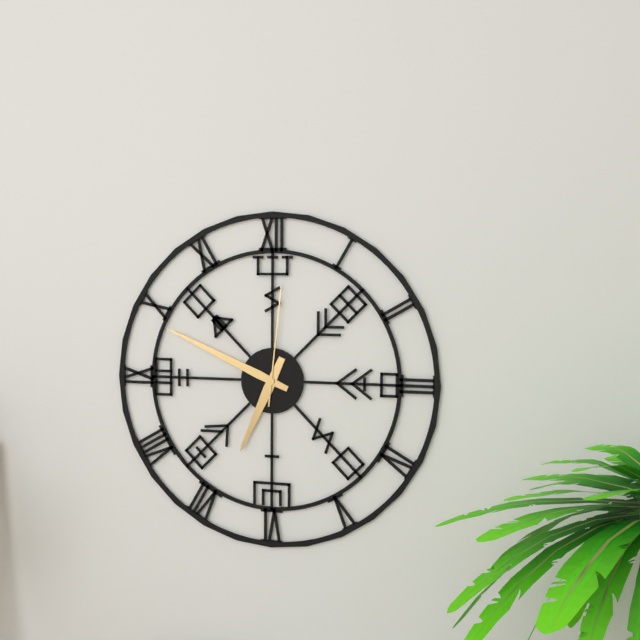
6:49:01
